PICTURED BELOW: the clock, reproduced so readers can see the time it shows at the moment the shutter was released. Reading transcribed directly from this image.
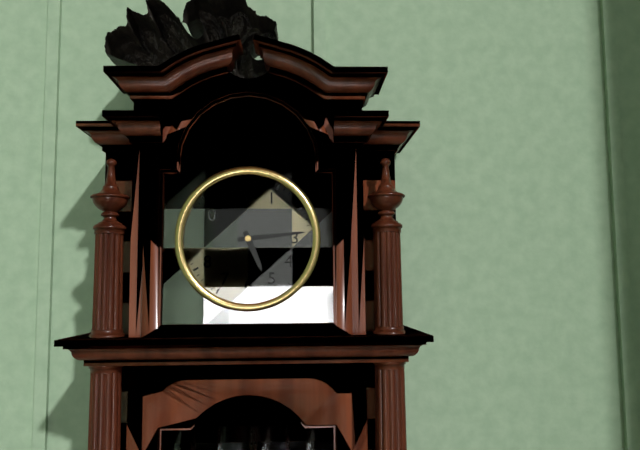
5:14
